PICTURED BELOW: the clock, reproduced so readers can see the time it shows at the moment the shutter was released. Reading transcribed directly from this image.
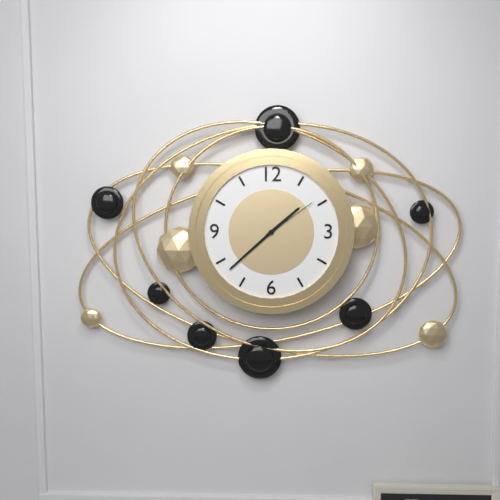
1:38:09
